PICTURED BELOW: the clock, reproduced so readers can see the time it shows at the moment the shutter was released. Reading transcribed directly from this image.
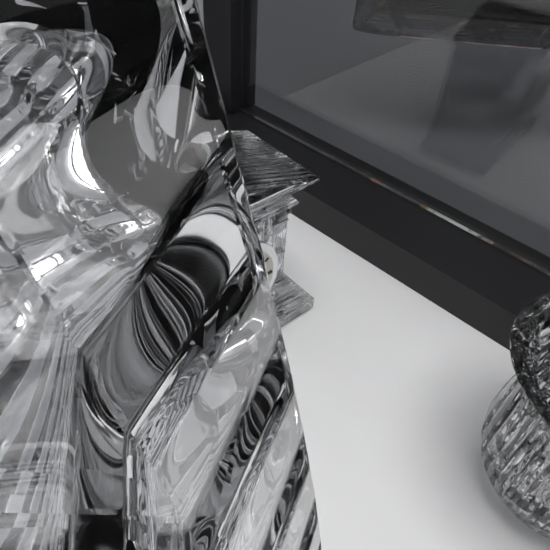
9:34
